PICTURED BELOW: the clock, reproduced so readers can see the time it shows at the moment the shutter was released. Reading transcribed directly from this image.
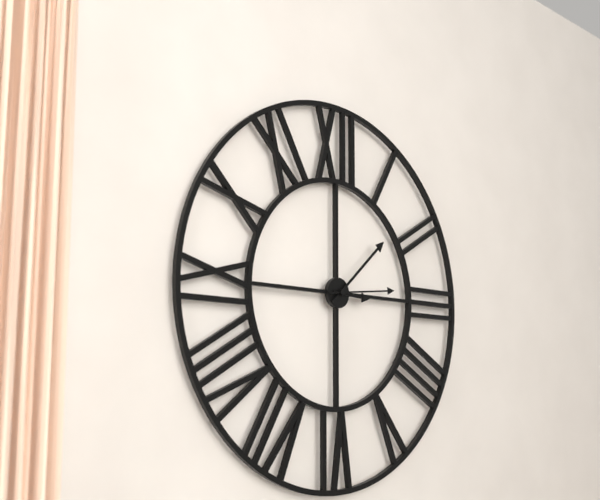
3:08:14
